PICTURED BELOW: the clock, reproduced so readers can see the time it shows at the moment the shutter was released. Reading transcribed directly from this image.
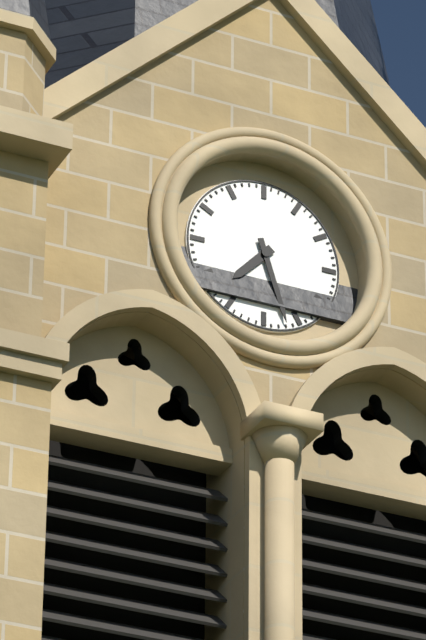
7:27
